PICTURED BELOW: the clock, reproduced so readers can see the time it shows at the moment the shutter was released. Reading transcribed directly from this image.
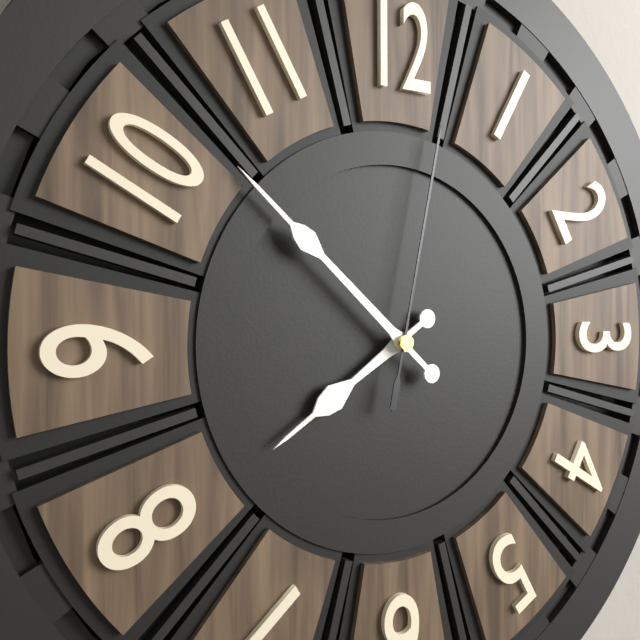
7:52:02
